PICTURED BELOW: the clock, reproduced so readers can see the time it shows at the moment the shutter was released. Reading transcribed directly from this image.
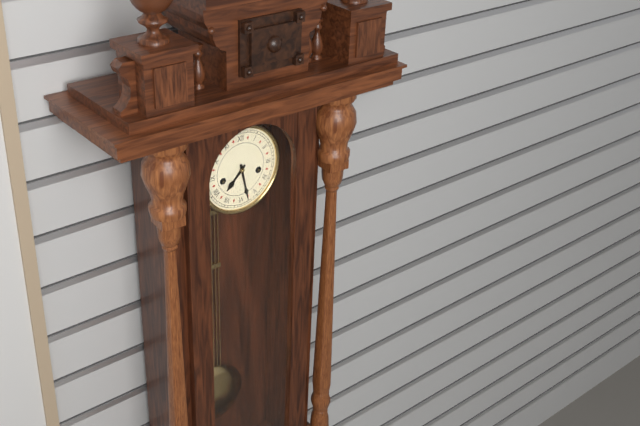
7:28
